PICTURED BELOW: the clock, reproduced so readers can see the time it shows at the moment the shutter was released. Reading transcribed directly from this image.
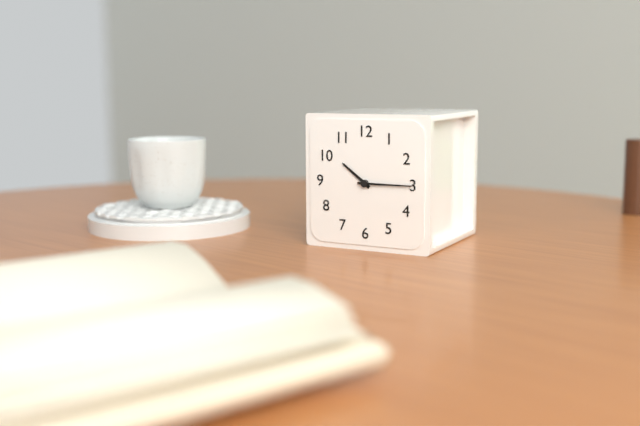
10:15
